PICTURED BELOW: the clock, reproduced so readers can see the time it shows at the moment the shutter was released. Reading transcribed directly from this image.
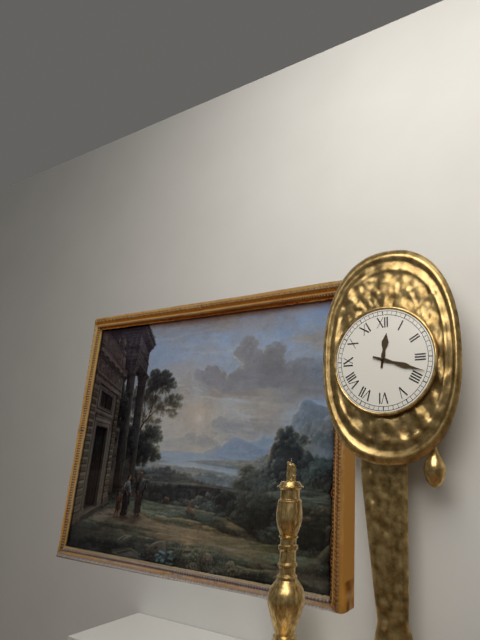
12:18
